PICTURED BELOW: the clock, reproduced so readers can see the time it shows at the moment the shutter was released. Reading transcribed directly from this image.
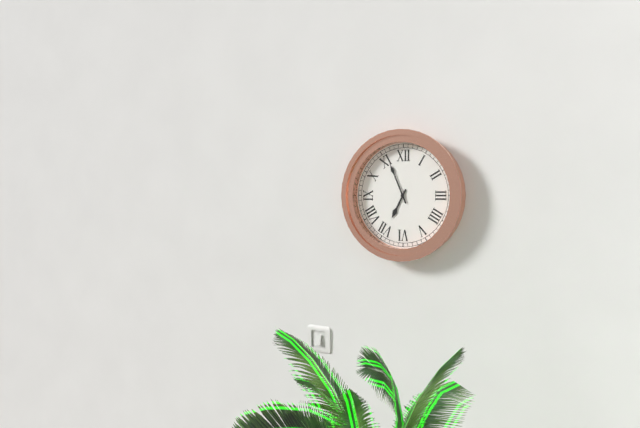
6:56
